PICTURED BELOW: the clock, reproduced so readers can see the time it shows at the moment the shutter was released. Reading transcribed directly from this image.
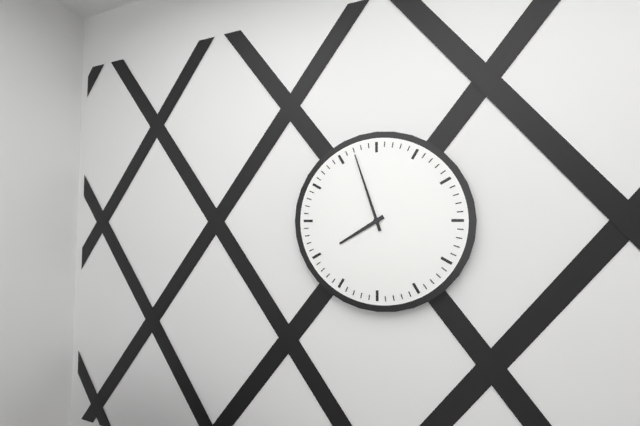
7:57
